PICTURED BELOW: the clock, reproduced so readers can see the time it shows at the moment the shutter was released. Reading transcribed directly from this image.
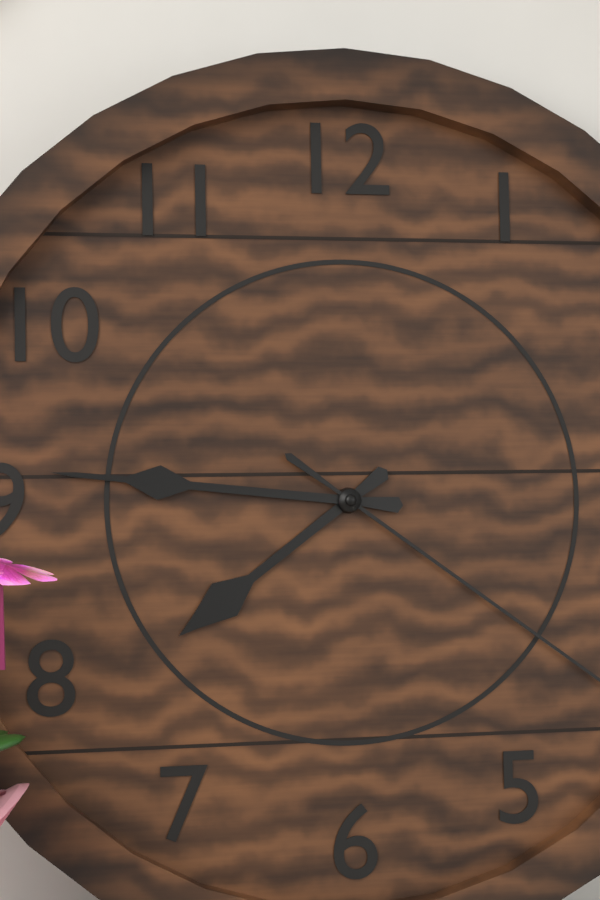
7:46
